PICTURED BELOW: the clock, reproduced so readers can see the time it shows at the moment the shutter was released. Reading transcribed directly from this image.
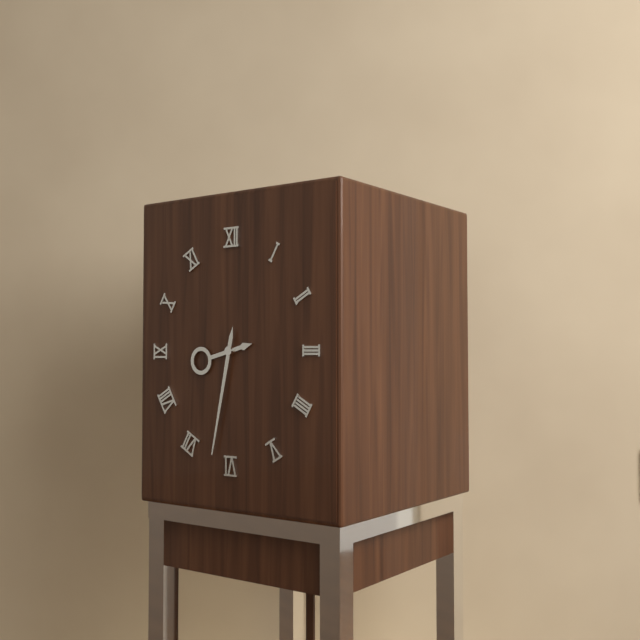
8:32
